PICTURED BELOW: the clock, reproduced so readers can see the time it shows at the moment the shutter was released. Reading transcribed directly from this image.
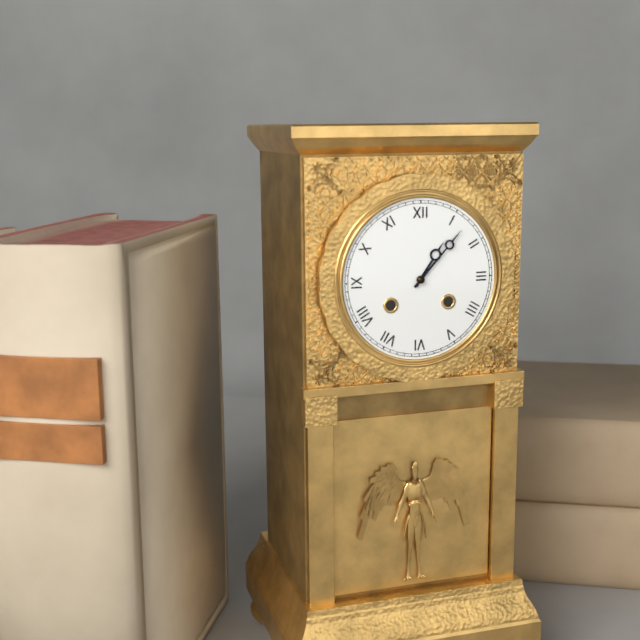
1:07
